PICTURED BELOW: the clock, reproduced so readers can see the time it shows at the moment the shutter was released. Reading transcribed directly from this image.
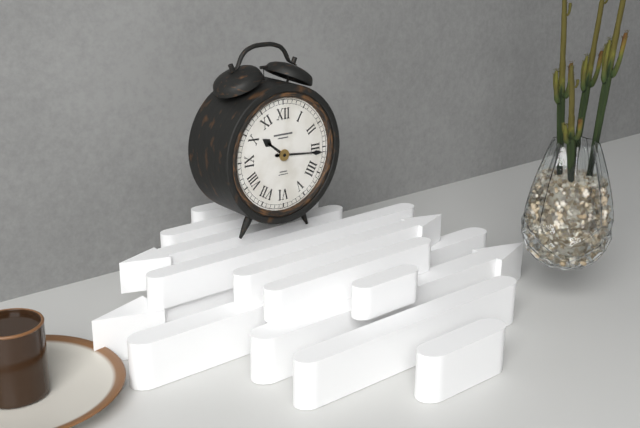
10:16
